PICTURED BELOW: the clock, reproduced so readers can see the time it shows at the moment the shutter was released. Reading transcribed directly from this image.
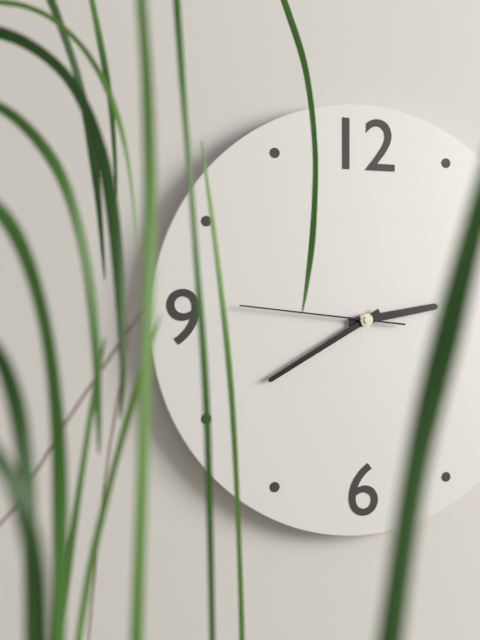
2:40:46
